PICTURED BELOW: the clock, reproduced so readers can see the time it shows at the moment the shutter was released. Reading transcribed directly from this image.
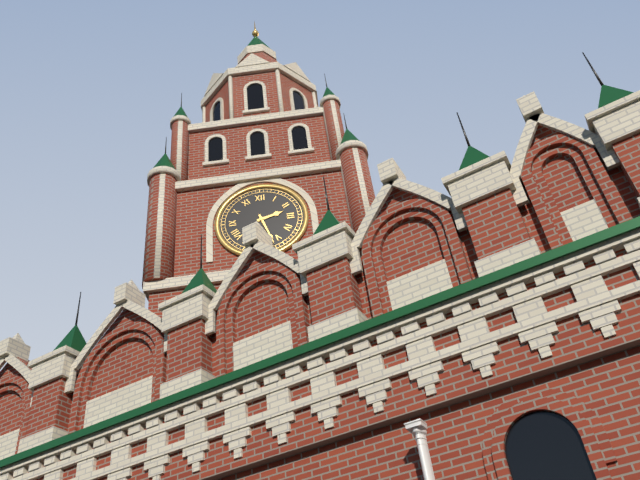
2:27
